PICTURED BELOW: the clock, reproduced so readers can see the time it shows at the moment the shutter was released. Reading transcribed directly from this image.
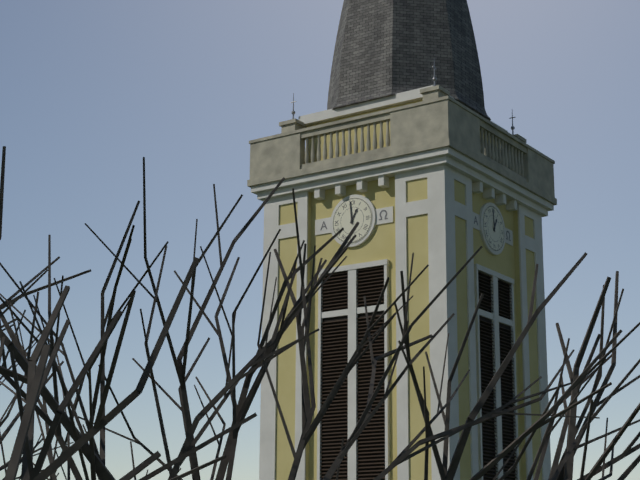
12:59
